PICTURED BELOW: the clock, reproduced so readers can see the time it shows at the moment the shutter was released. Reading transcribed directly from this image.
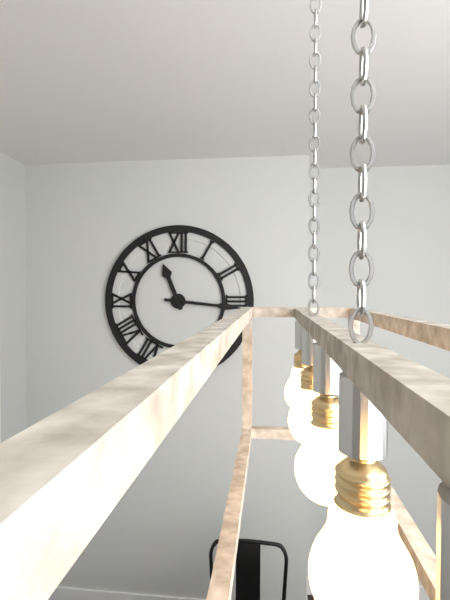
11:16
